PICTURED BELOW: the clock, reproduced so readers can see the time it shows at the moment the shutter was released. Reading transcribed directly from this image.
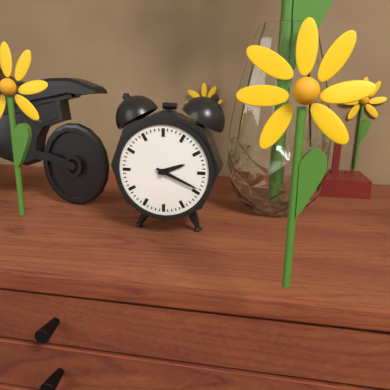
2:19
